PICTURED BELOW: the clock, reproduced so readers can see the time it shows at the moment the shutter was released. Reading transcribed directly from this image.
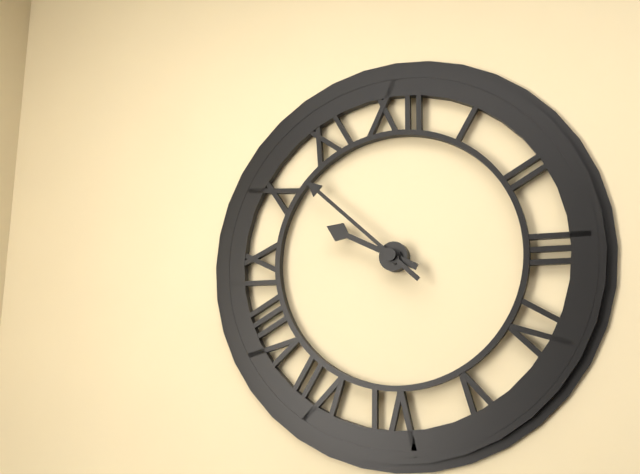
9:52
